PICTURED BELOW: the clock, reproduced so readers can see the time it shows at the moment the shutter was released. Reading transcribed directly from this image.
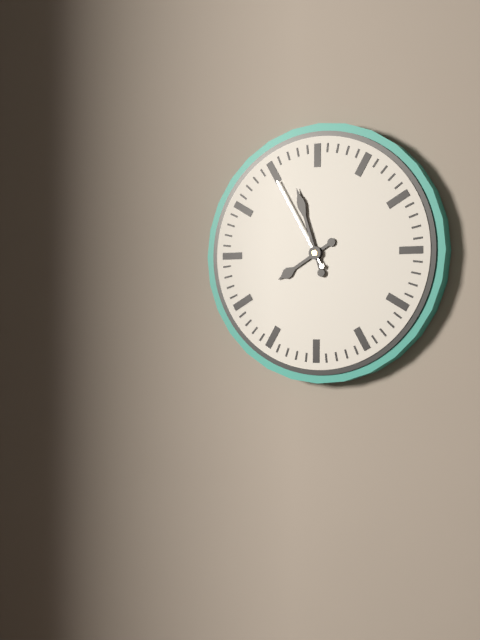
7:57:55
